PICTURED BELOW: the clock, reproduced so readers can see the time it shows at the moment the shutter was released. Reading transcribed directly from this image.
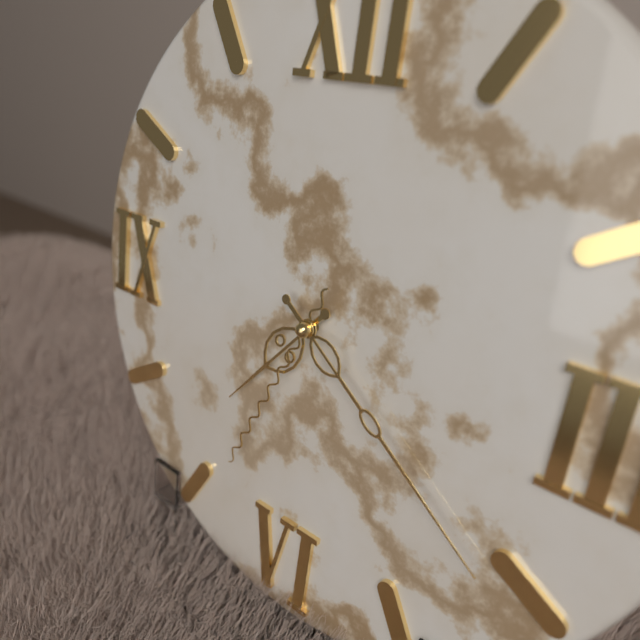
7:21:34
